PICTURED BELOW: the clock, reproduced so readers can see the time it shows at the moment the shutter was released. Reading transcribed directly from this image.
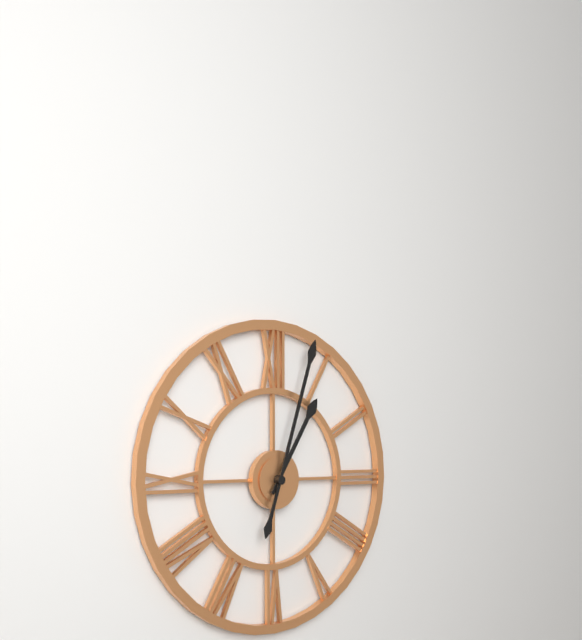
1:03
